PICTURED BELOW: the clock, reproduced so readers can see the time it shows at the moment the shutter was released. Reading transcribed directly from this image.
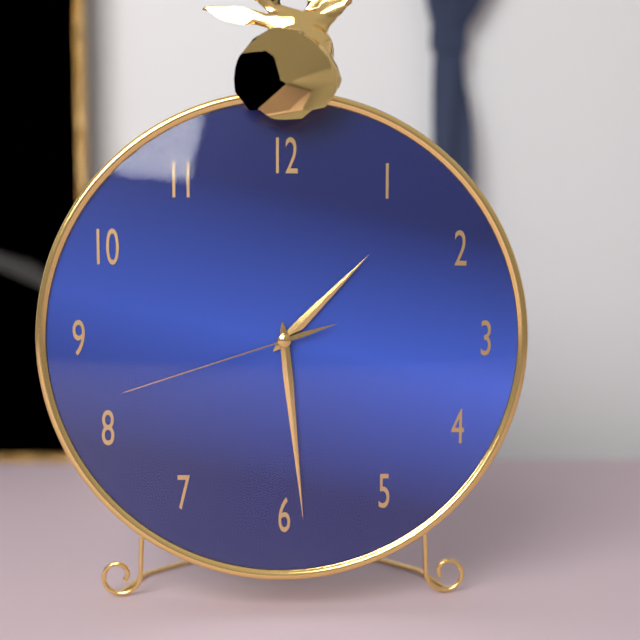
1:29:42
